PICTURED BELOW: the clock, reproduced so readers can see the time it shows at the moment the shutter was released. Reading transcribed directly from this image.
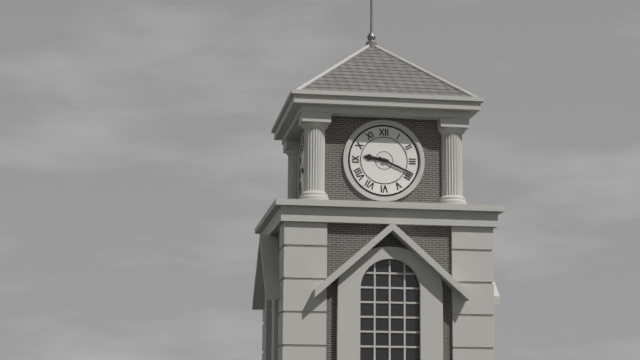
9:19
